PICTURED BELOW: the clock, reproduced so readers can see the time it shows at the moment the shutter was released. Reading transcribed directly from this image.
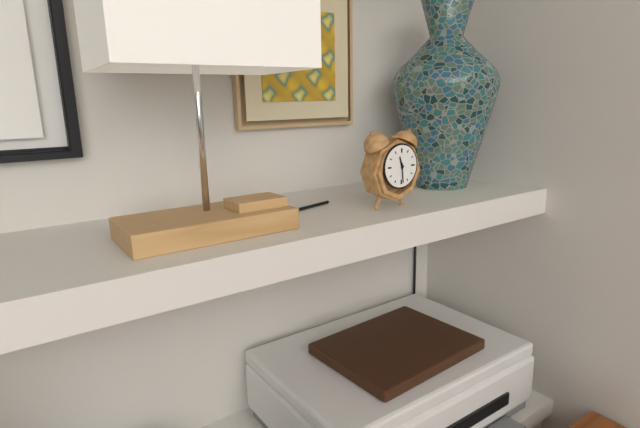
11:29
